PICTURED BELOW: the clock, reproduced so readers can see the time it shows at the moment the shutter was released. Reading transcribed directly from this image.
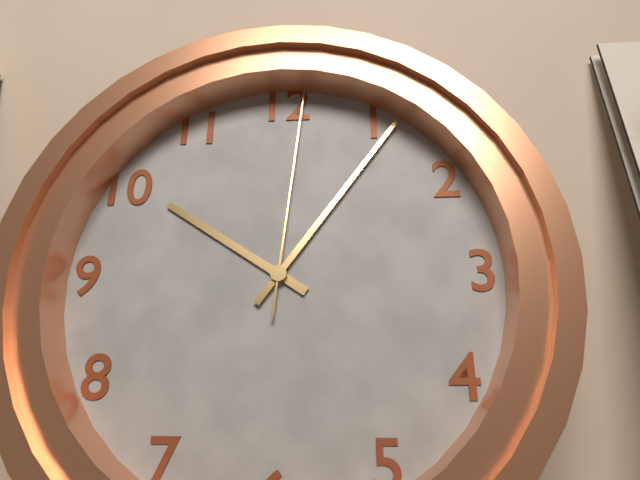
10:06:01
